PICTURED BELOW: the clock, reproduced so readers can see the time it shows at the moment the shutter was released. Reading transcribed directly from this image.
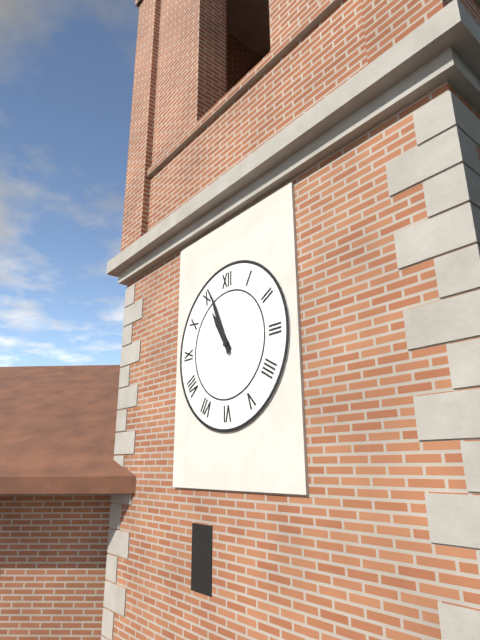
10:56
